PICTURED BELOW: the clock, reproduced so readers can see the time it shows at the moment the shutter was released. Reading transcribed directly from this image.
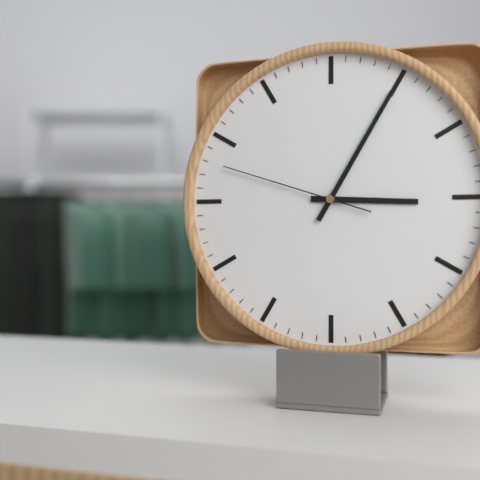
3:05:48
